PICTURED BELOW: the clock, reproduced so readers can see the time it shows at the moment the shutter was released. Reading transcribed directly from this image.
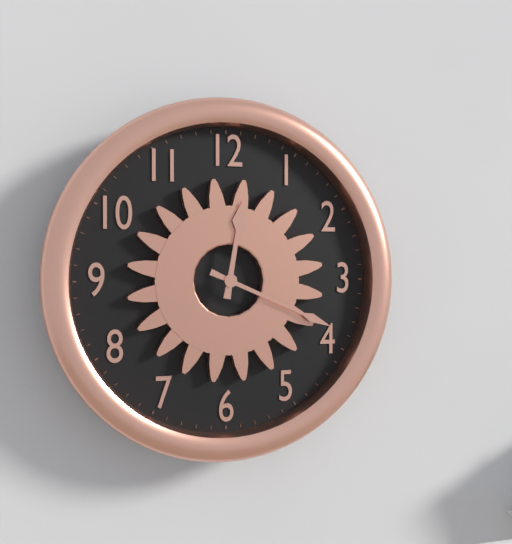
12:19
